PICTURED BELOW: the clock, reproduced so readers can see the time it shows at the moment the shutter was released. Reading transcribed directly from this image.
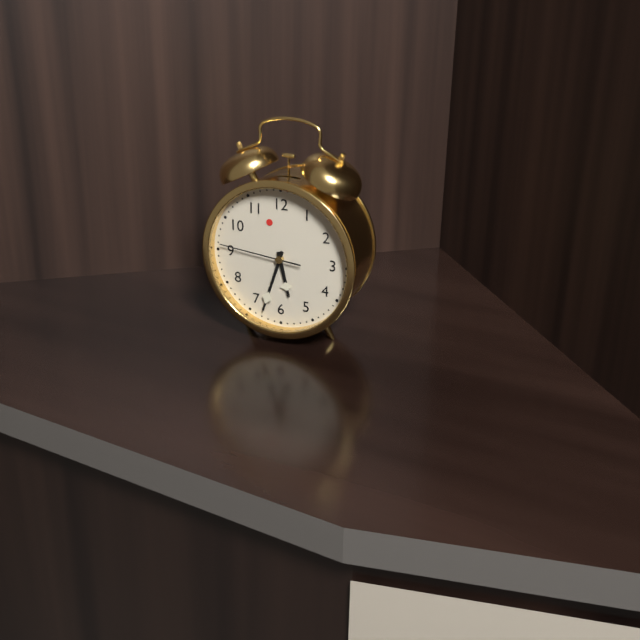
5:33:46
